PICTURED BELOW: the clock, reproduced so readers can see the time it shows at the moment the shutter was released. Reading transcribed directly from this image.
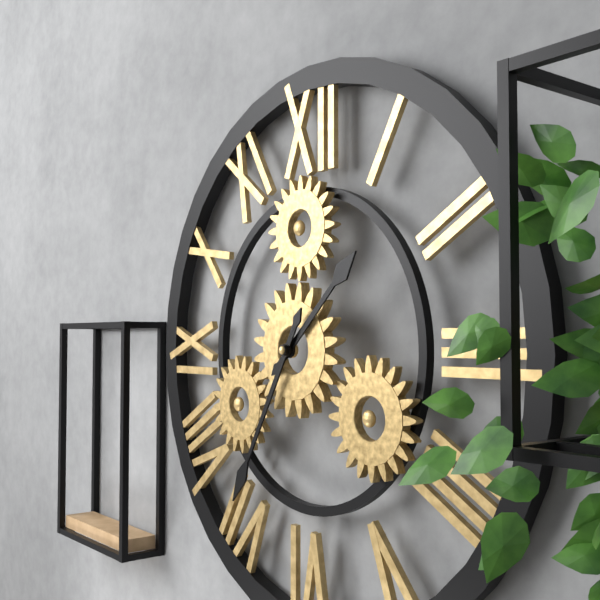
1:35
